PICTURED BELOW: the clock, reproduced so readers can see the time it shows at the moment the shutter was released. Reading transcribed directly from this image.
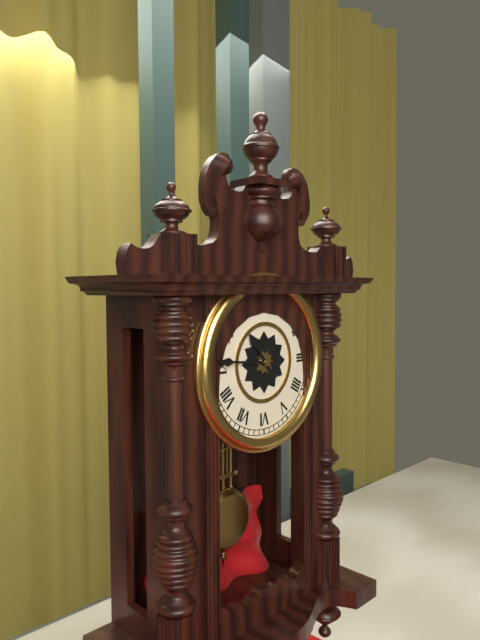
10:46
